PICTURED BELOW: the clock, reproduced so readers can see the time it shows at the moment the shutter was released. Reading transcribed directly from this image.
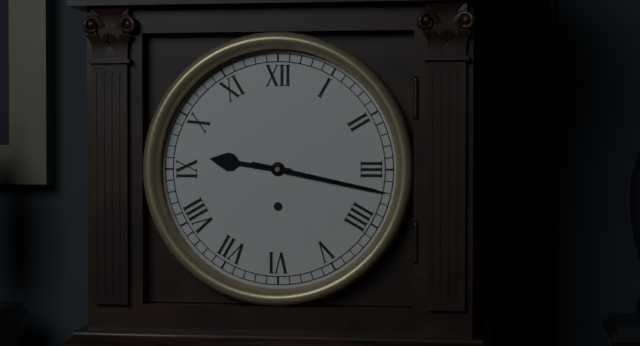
9:17
